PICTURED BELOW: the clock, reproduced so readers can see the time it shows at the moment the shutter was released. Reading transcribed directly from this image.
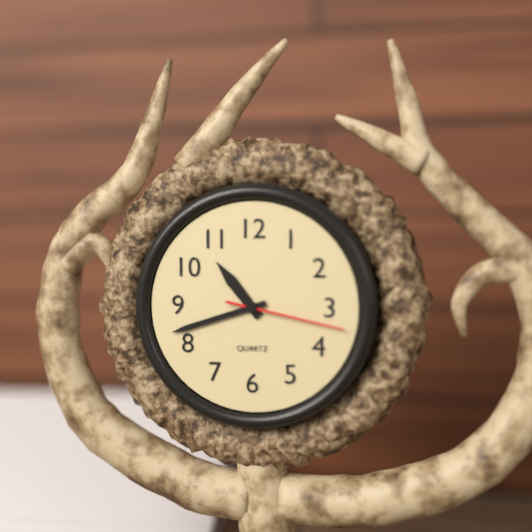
10:42:17
